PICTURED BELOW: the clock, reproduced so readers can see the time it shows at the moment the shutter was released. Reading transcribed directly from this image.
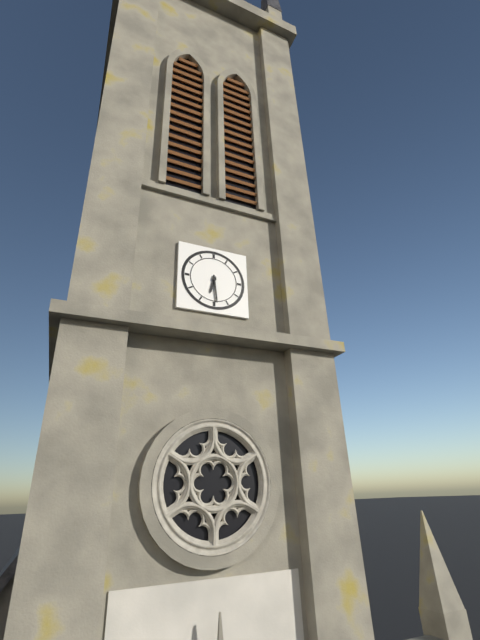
6:29
